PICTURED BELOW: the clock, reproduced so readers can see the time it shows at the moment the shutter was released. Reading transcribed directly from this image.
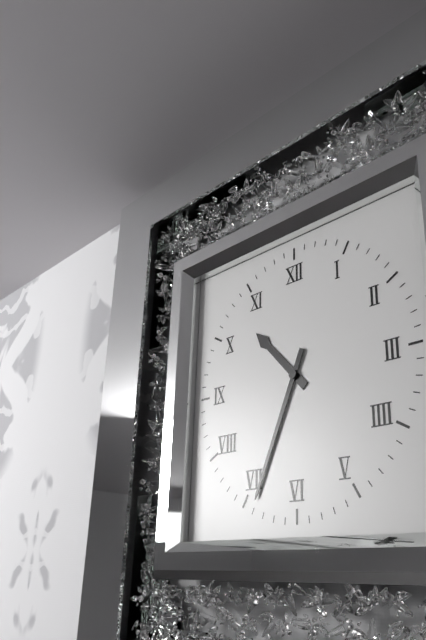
10:34
